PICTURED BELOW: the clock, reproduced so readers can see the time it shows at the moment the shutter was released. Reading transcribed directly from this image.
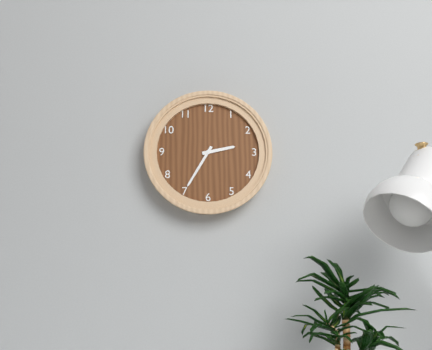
2:35
